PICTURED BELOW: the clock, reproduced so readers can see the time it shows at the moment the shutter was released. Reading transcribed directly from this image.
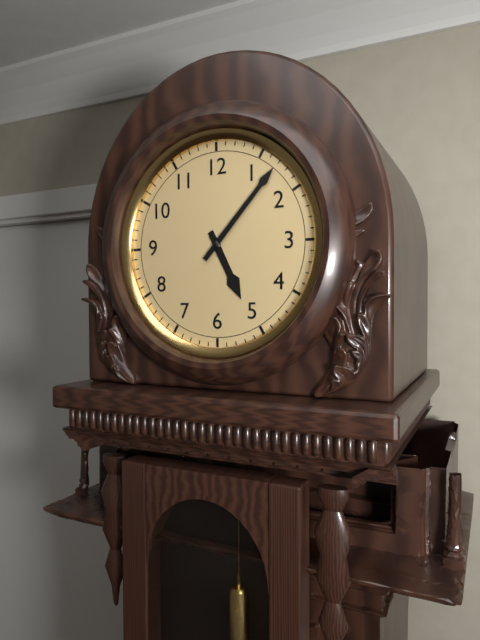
5:07
